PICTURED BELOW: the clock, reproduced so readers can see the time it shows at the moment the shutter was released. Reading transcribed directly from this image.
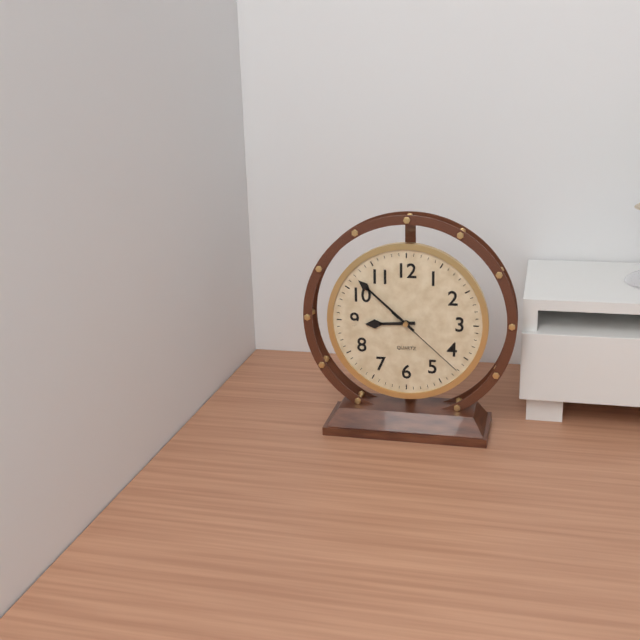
8:52:22
